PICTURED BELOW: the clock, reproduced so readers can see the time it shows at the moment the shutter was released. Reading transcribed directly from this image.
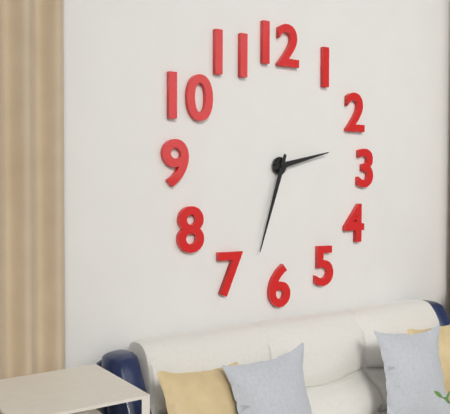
2:33
